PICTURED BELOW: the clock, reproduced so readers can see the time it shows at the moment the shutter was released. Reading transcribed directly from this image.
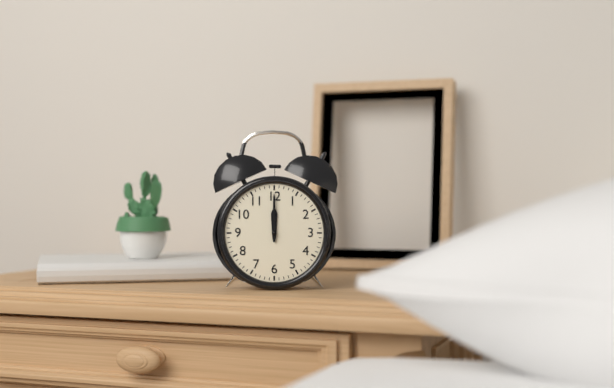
12:00
